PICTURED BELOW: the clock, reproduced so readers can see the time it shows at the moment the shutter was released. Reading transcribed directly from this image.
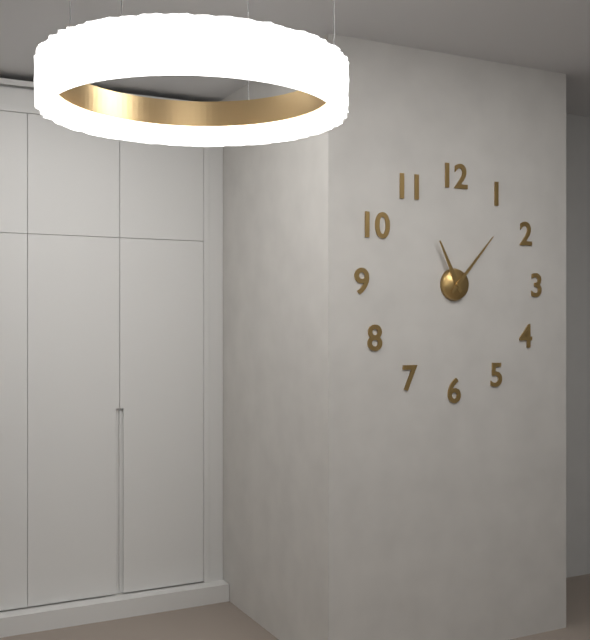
11:07
